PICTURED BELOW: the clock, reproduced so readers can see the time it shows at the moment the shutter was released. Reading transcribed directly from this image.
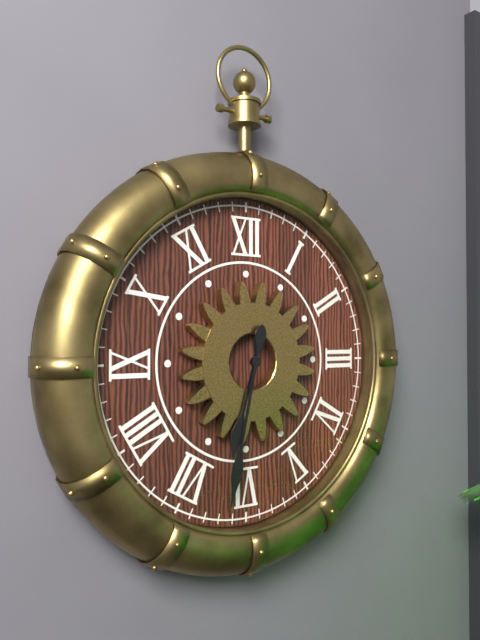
6:32
